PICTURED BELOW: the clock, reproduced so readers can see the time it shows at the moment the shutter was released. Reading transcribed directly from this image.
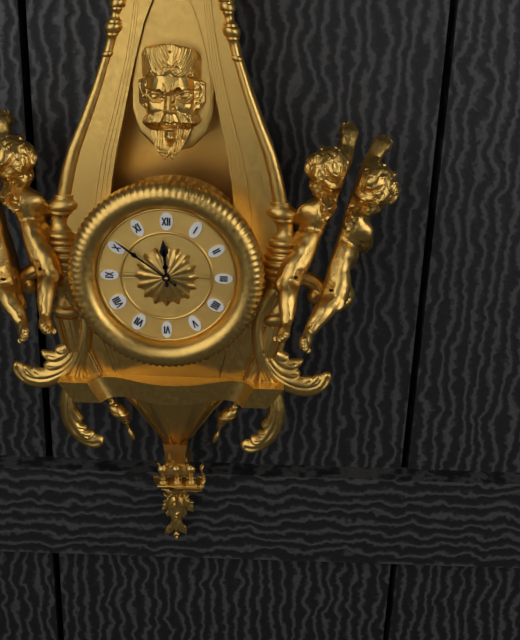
11:51
